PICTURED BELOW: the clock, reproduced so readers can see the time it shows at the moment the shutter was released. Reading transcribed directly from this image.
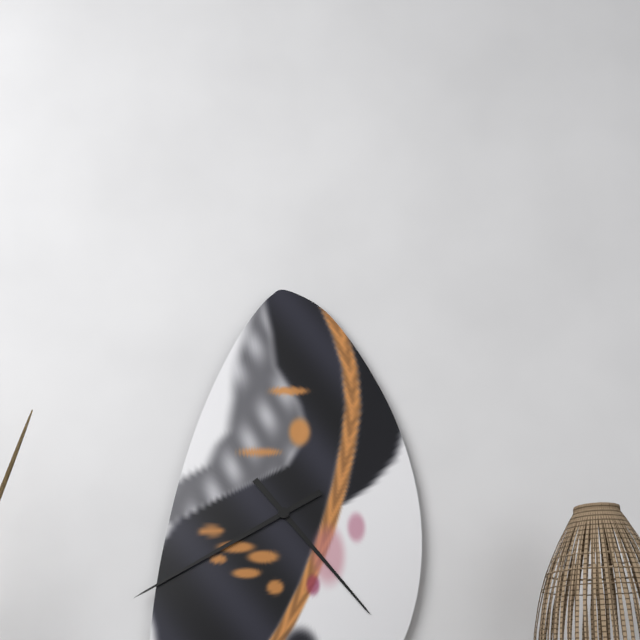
4:40
